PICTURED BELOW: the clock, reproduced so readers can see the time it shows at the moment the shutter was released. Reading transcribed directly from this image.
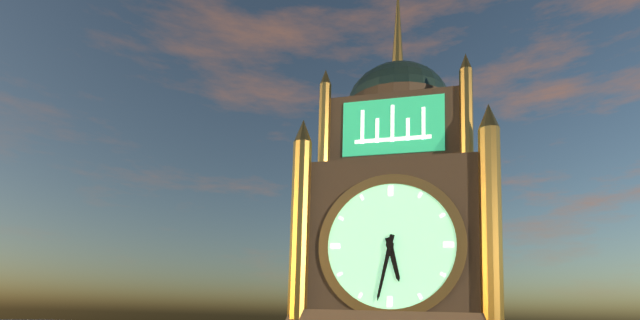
5:32
